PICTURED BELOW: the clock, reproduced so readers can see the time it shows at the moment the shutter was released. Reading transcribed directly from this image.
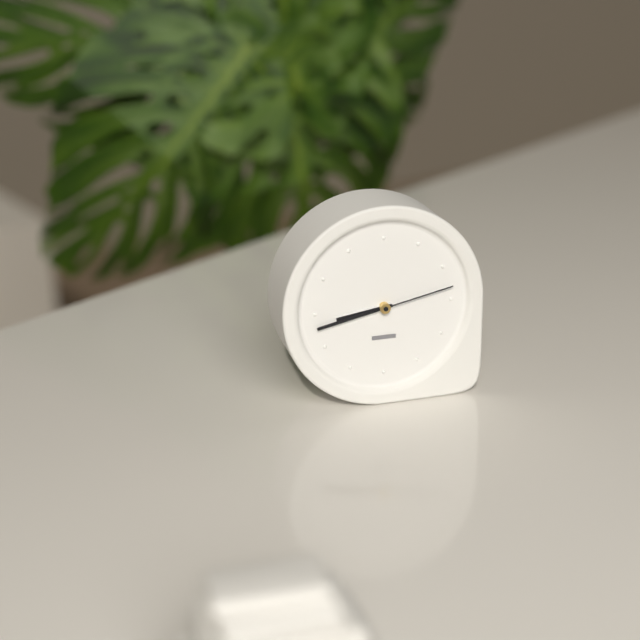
8:43:13
